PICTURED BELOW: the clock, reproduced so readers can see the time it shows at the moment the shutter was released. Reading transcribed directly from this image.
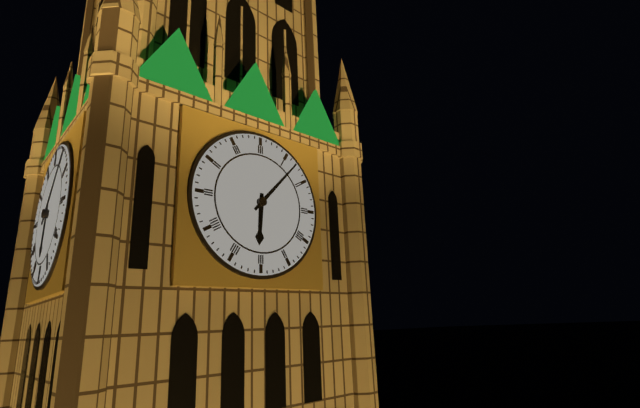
6:07
